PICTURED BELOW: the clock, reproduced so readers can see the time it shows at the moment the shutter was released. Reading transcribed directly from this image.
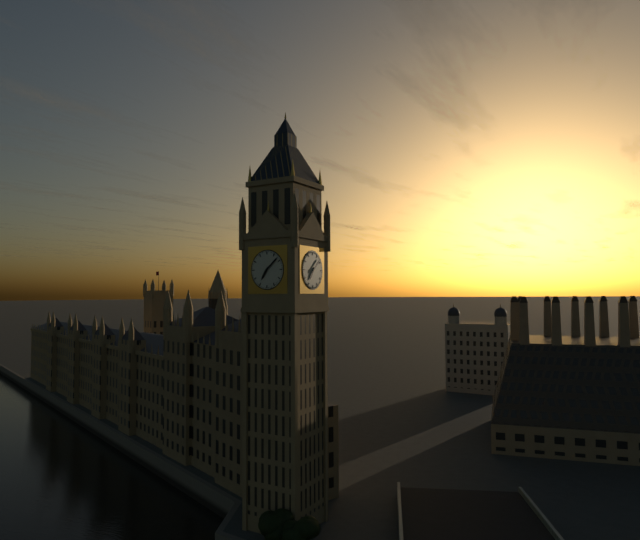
7:08
